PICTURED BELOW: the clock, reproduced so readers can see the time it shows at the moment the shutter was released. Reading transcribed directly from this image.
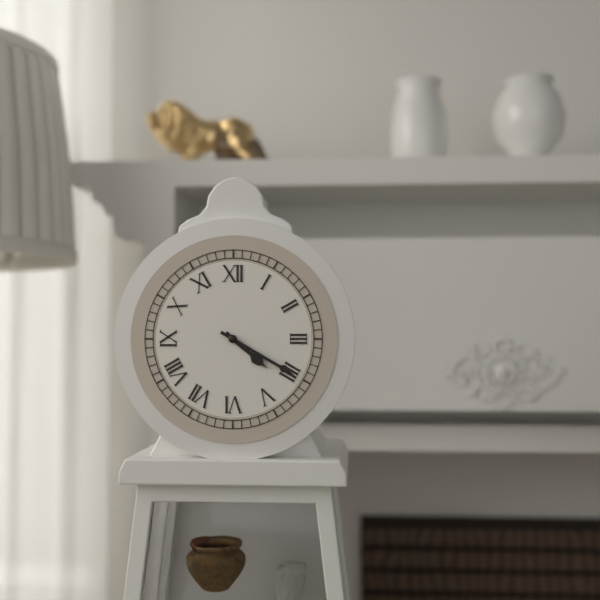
4:20
